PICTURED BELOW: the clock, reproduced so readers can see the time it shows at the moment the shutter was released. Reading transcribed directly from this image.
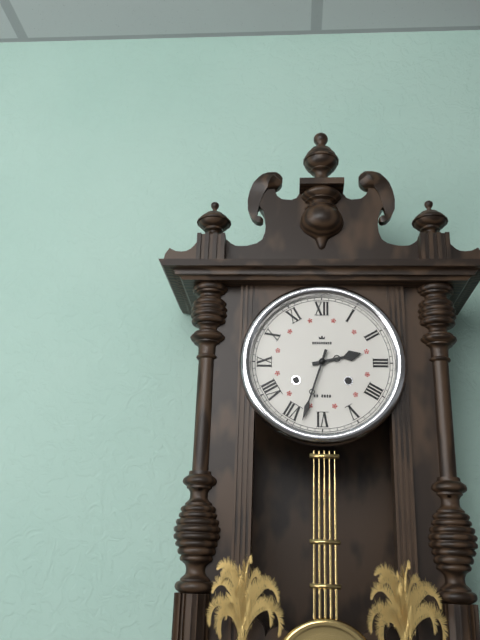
2:33
